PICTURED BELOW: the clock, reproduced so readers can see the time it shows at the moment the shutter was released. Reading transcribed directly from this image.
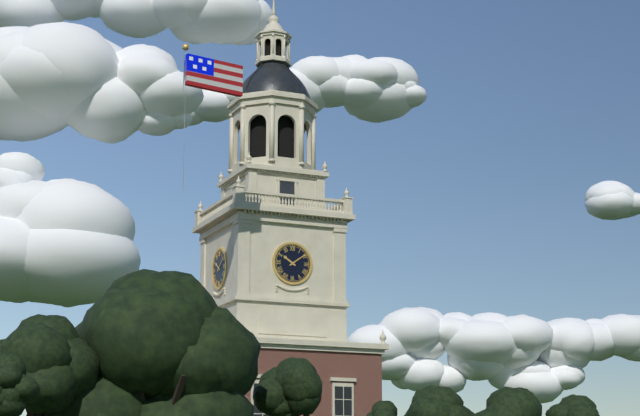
10:09
